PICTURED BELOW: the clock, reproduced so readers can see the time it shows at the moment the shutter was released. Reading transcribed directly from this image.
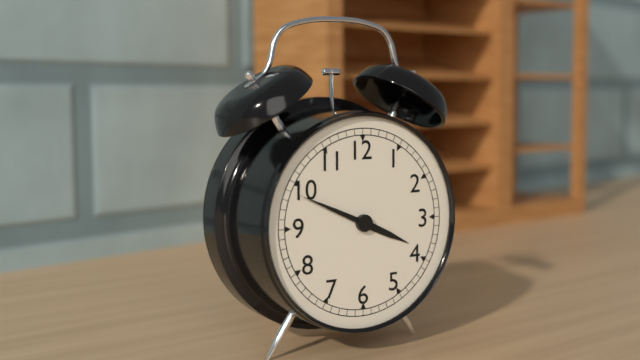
3:49
